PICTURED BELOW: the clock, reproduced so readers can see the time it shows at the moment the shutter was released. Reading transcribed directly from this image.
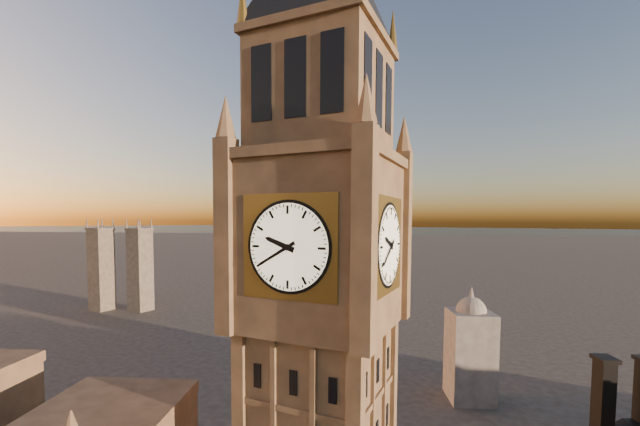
9:40
